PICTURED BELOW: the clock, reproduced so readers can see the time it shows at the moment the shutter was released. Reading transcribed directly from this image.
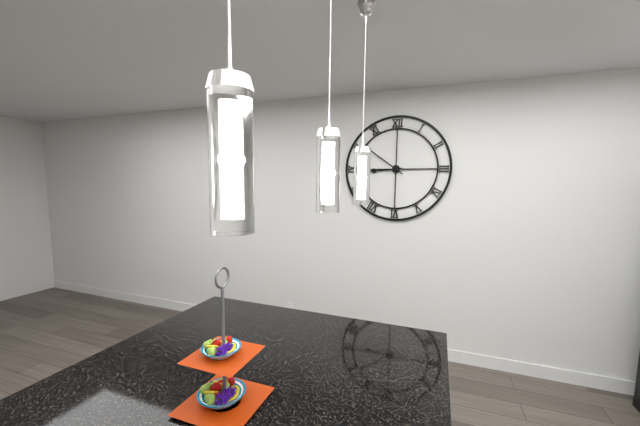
8:51
